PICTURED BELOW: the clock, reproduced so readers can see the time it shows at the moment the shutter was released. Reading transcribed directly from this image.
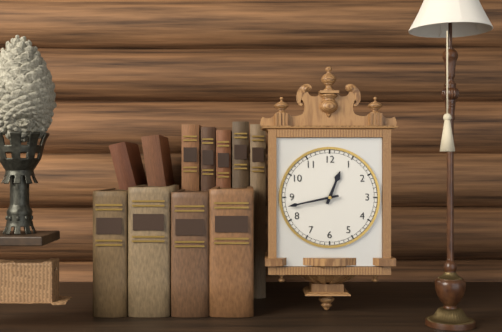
12:43
